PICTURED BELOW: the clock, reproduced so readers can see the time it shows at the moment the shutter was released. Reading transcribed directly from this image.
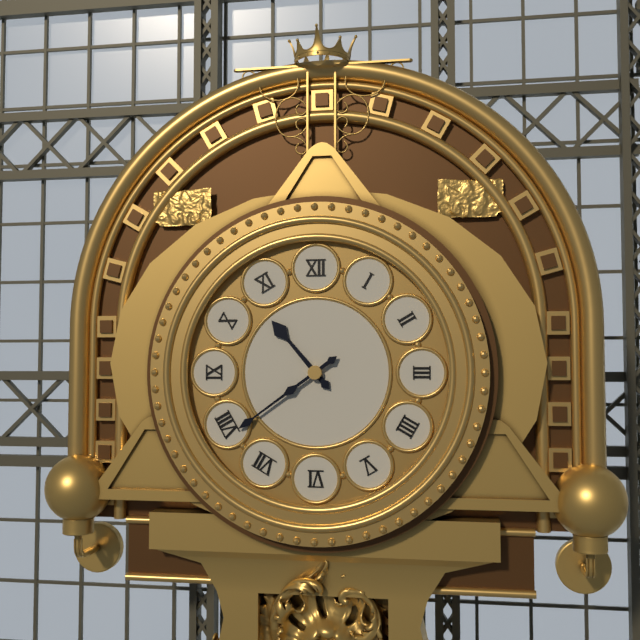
10:39
